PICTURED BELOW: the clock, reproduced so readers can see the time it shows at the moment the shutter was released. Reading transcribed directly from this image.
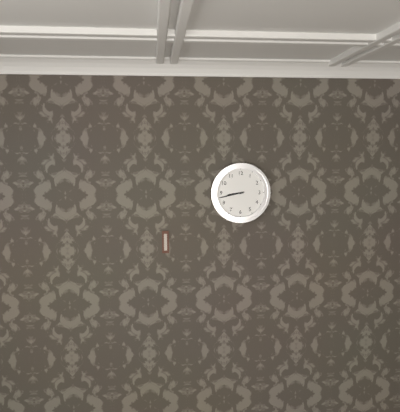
8:43
